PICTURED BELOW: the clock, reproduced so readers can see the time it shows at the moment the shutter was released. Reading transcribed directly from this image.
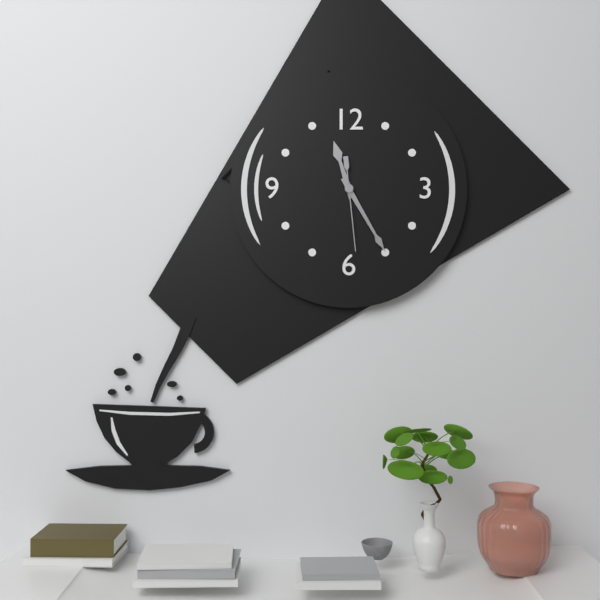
11:25:29
